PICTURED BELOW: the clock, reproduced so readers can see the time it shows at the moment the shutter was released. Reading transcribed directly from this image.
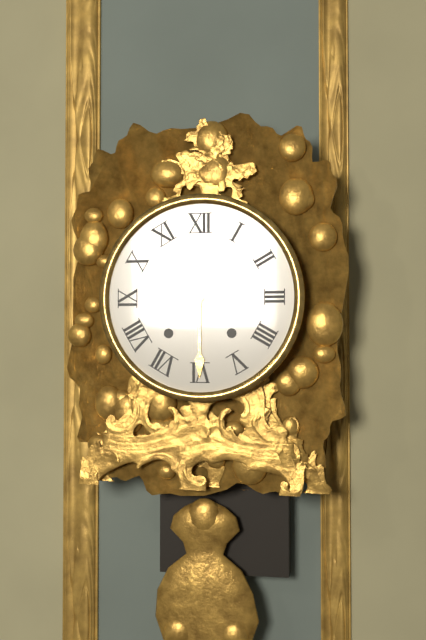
12:30
